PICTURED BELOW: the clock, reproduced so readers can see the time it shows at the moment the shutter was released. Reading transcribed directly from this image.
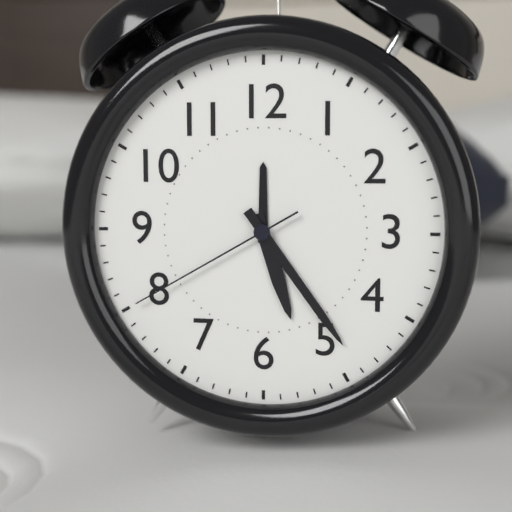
5:24:40
